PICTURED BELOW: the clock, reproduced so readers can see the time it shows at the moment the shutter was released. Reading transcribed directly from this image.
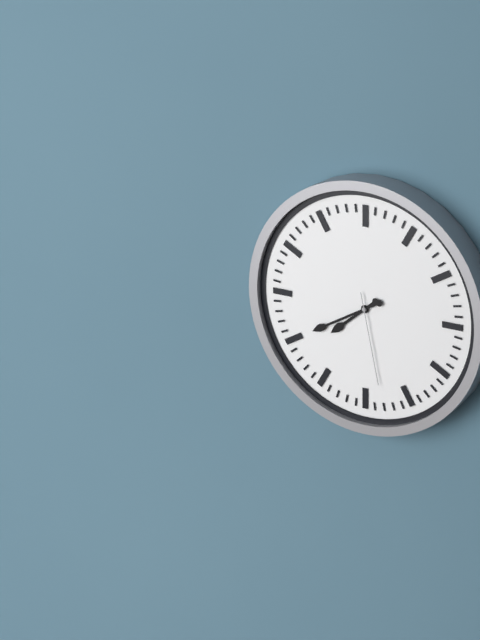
7:40:28
